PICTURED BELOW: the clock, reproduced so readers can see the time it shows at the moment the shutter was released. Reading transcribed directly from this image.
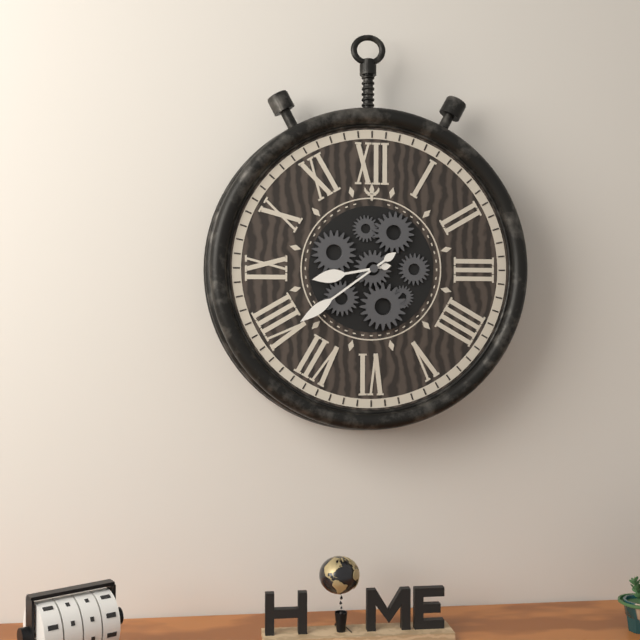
8:39
